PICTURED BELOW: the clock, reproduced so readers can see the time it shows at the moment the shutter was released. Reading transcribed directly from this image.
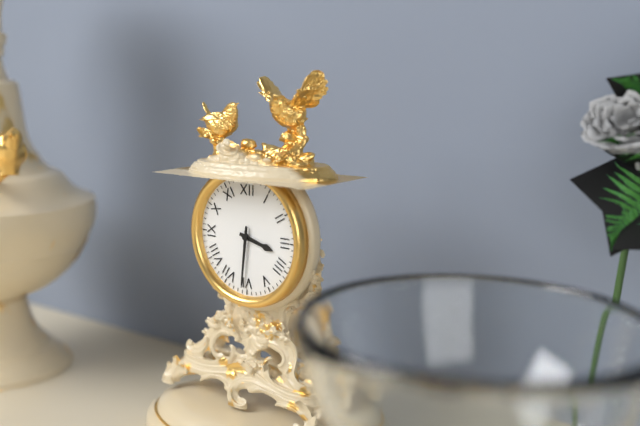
3:31
